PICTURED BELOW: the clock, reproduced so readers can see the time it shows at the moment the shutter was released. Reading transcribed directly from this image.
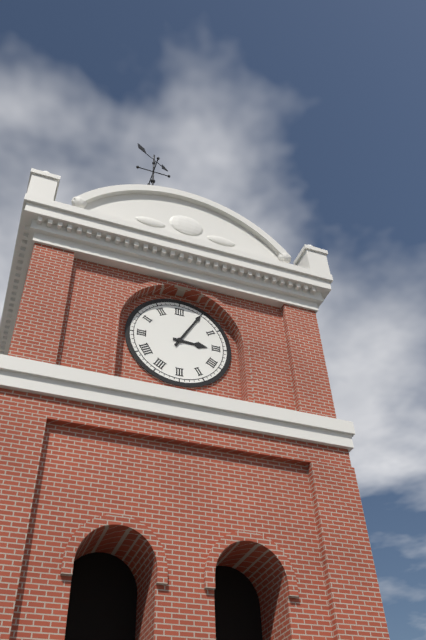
3:05
